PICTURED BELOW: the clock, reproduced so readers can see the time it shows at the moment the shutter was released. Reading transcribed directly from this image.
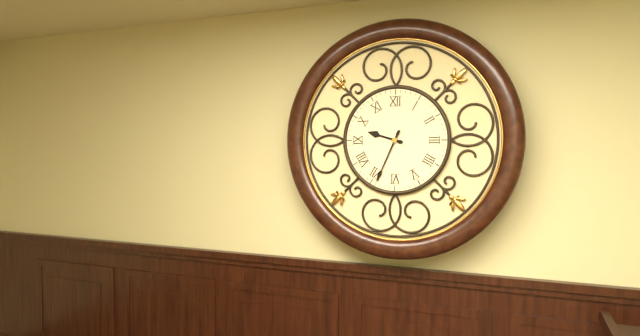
9:34
